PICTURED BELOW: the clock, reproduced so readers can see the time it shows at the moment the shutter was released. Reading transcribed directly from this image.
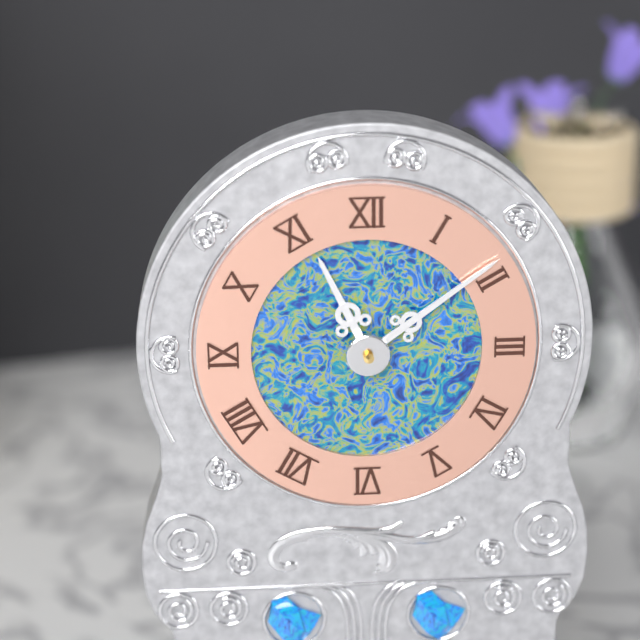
11:09
